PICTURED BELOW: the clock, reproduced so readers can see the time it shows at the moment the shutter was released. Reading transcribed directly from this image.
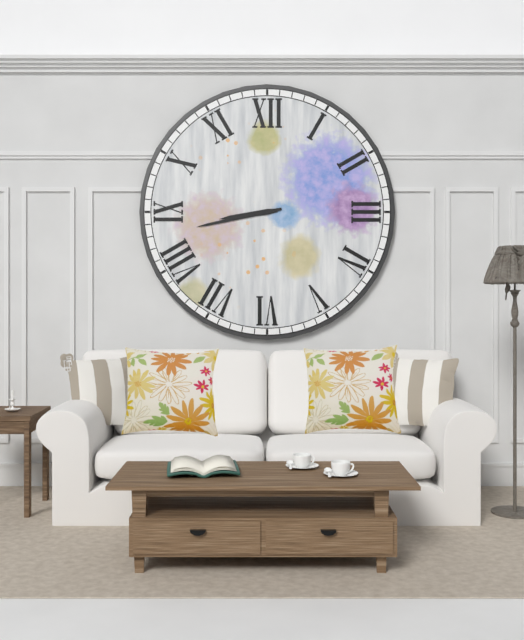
8:43
